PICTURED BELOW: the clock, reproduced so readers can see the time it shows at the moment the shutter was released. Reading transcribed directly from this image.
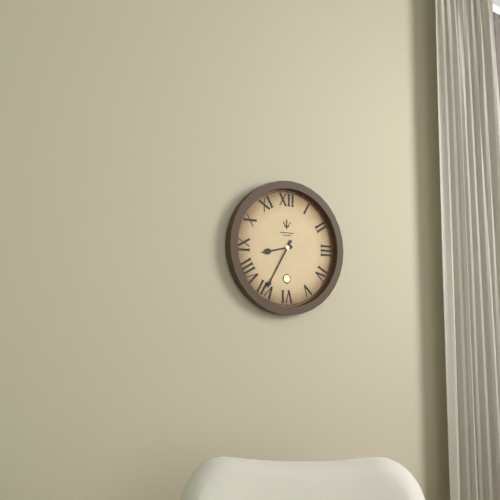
8:35
